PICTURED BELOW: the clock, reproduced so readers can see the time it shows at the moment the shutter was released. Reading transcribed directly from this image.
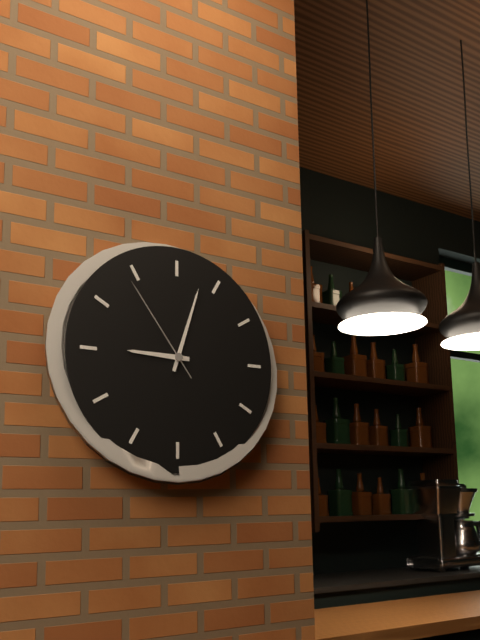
9:03:54
